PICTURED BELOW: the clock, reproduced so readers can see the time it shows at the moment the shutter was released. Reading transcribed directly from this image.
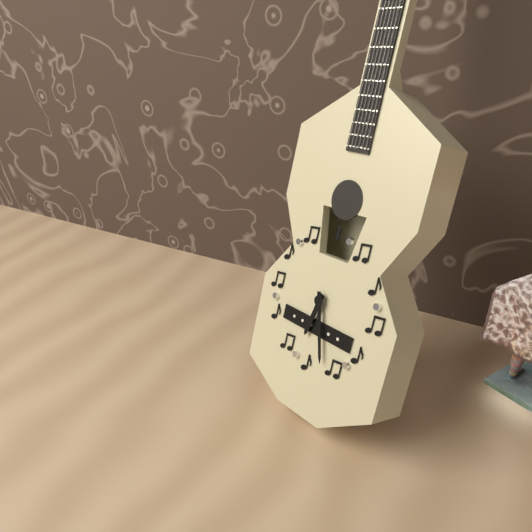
6:27
